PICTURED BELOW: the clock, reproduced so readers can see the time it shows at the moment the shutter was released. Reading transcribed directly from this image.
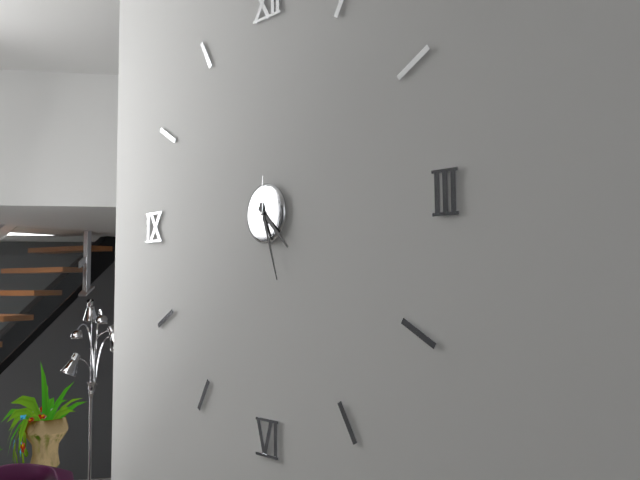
4:27
